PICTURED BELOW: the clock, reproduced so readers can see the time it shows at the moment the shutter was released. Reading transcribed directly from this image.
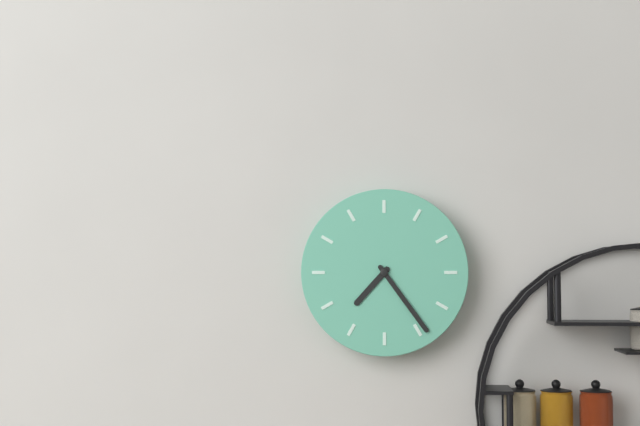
7:24
